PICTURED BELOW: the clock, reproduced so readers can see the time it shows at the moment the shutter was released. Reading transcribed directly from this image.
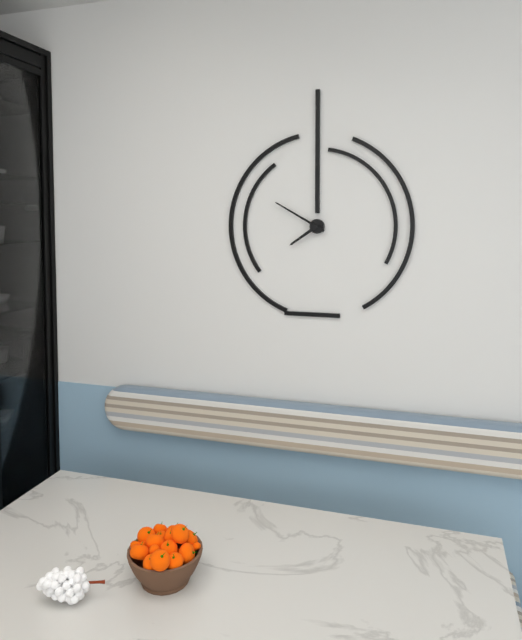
7:50
